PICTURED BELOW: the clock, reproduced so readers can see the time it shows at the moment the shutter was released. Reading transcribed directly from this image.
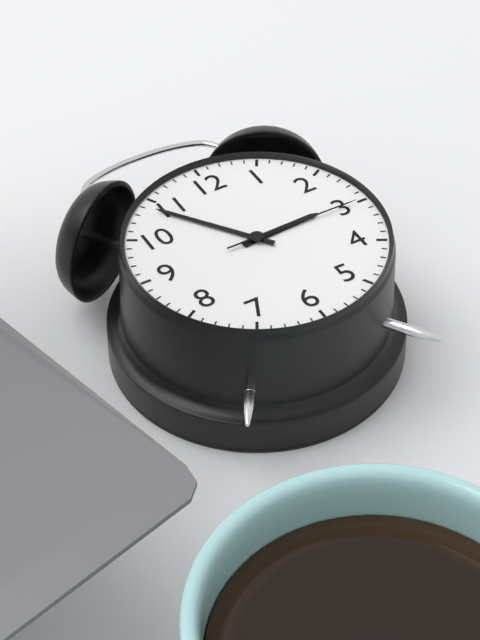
2:54:15
